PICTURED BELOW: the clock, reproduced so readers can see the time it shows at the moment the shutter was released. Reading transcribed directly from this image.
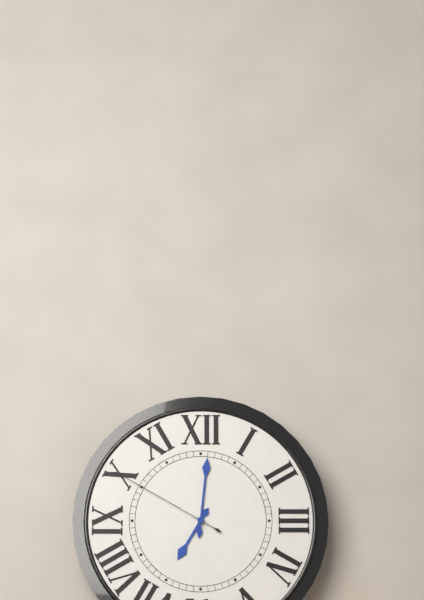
7:01:50
